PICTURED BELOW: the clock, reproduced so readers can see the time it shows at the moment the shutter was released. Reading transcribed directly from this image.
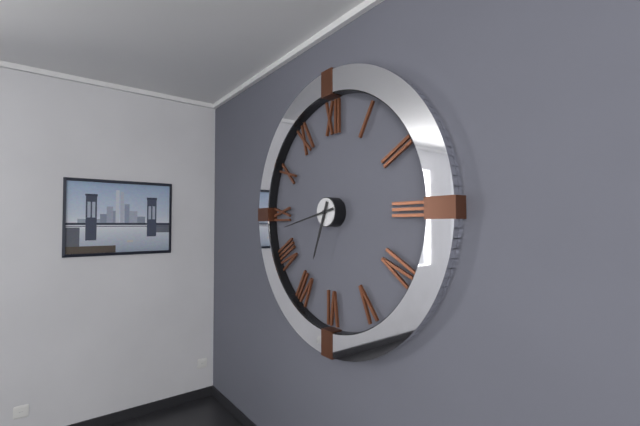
6:43
